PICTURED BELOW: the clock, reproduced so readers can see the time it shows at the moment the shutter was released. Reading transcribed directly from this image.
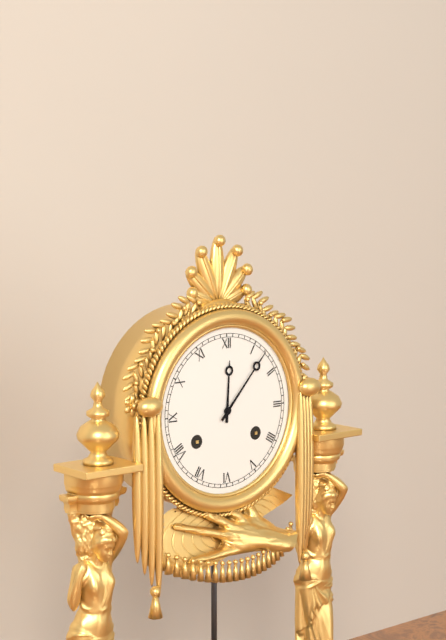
12:07
